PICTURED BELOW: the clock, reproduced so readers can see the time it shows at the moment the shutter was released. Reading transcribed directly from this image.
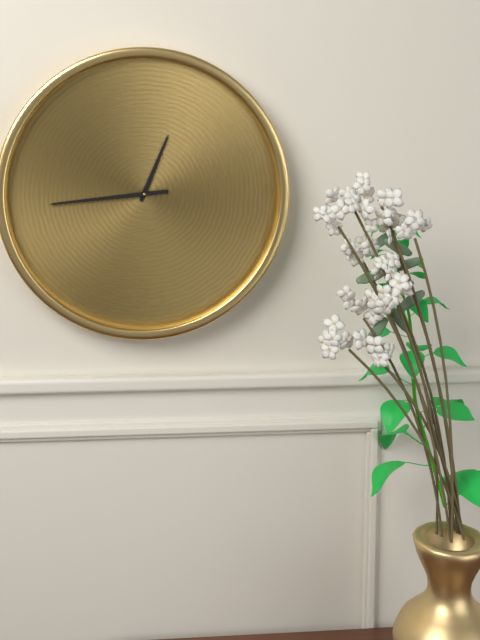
12:44
